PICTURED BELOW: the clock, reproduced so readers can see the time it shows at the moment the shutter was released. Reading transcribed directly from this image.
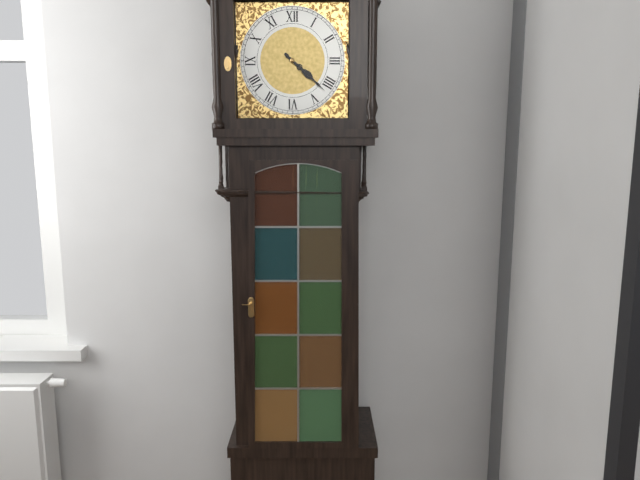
4:22
